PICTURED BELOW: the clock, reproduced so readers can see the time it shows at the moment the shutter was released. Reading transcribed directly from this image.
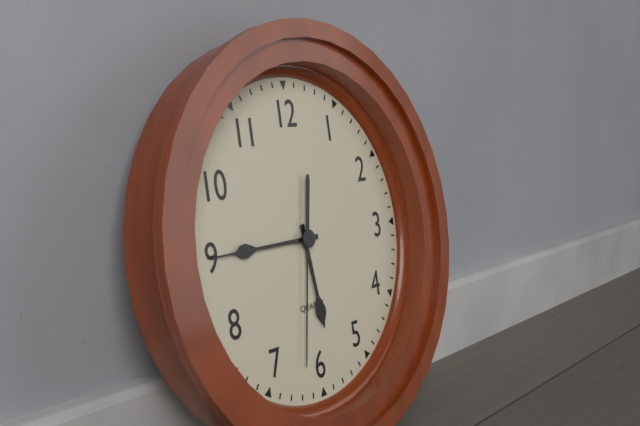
5:45:32
